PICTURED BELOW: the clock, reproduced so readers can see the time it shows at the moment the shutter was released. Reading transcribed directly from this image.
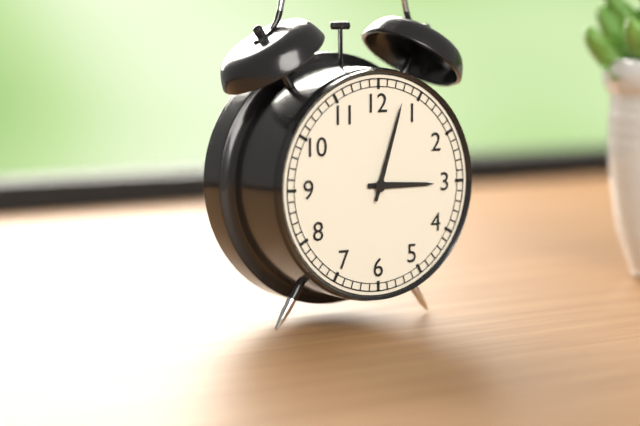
3:03
